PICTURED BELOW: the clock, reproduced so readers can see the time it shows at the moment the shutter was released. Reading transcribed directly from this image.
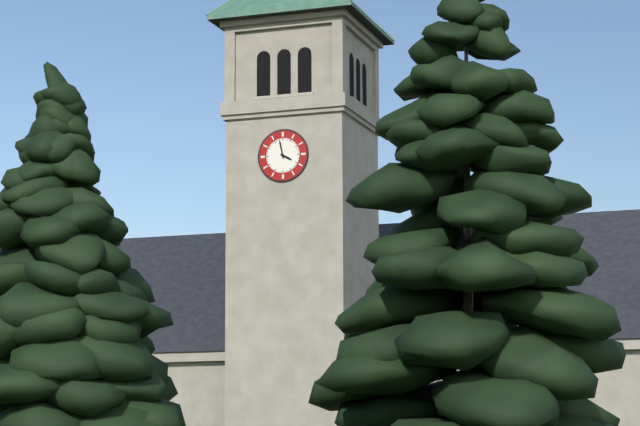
3:58
